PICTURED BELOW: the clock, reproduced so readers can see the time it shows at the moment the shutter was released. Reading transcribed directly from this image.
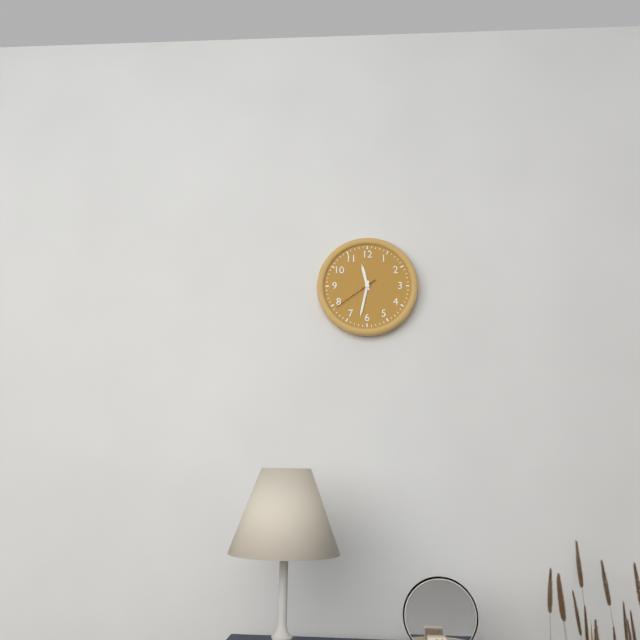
11:32
